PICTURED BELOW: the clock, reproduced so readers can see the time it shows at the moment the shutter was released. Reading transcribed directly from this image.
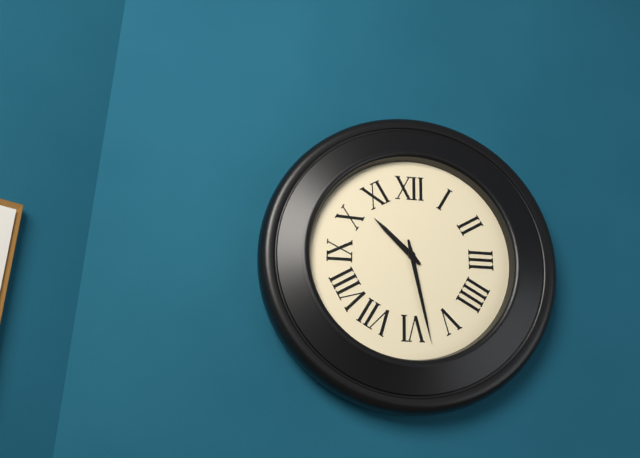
10:28
